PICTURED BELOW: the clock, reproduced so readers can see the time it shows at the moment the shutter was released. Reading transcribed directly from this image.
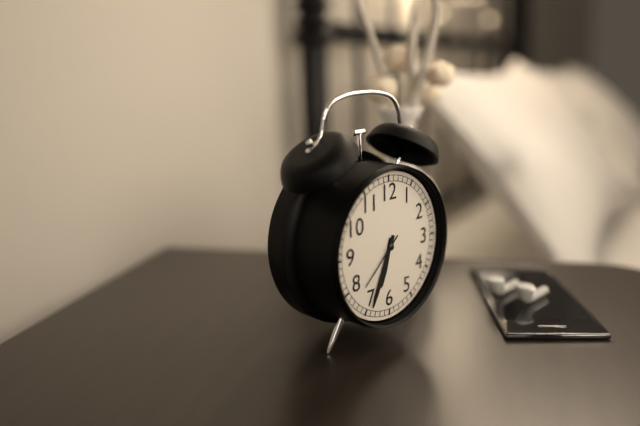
6:34:38
